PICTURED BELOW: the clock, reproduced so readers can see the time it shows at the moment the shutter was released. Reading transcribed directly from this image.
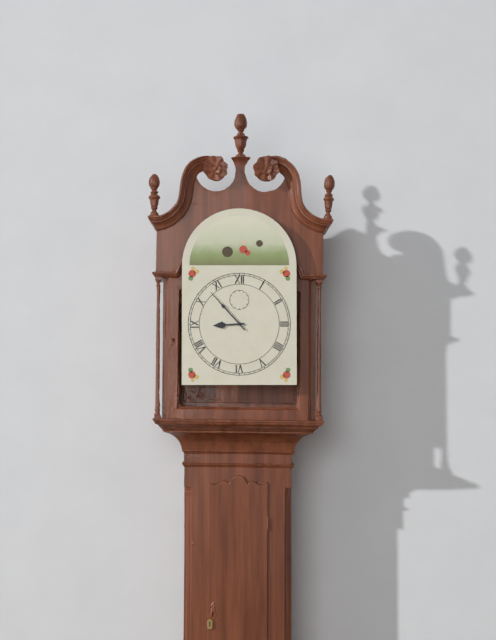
8:53
